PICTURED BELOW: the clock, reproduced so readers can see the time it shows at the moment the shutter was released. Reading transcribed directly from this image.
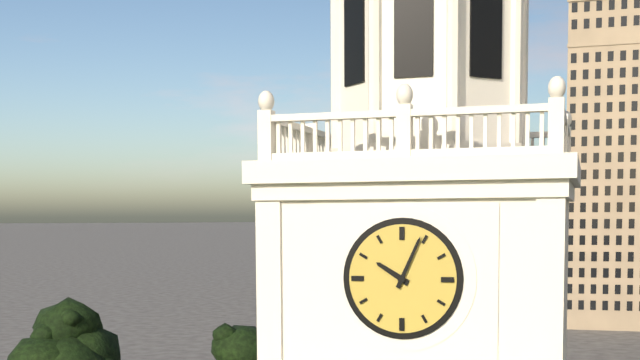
10:04
